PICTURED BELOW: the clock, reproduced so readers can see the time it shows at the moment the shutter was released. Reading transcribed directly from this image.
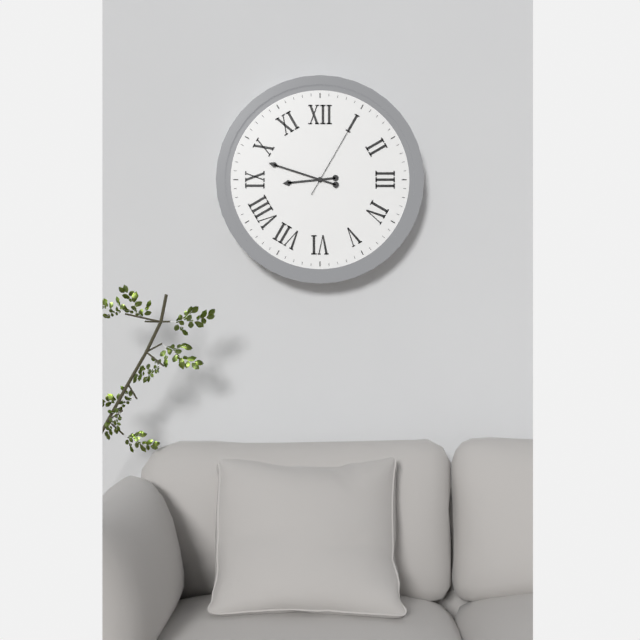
8:48:05
